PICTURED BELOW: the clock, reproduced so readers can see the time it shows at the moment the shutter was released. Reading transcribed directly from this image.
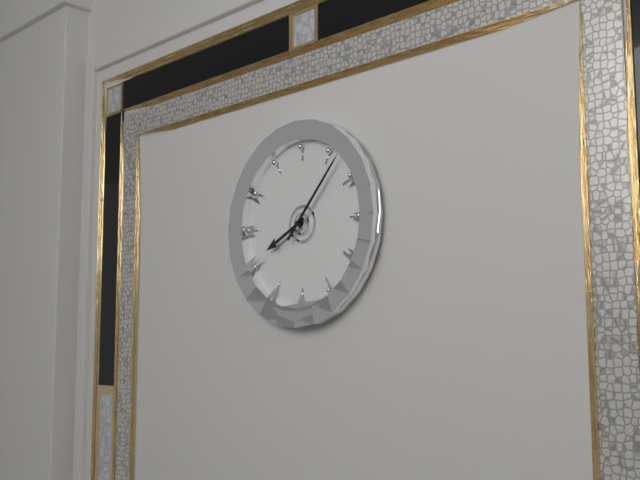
8:07
